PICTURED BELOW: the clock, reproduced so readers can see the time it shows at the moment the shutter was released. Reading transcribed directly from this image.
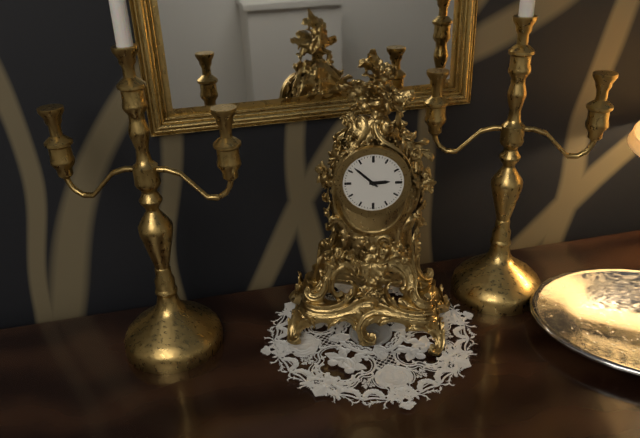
2:52
